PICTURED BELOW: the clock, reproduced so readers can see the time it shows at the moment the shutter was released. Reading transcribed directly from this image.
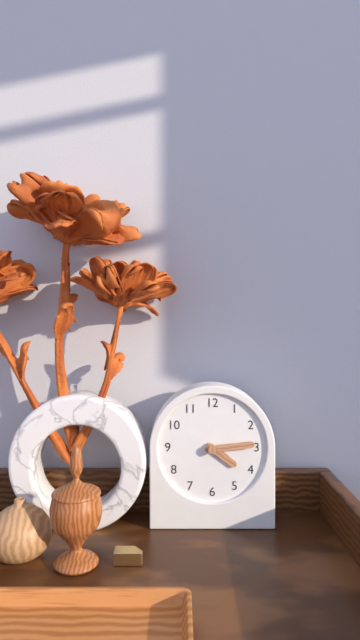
4:14
